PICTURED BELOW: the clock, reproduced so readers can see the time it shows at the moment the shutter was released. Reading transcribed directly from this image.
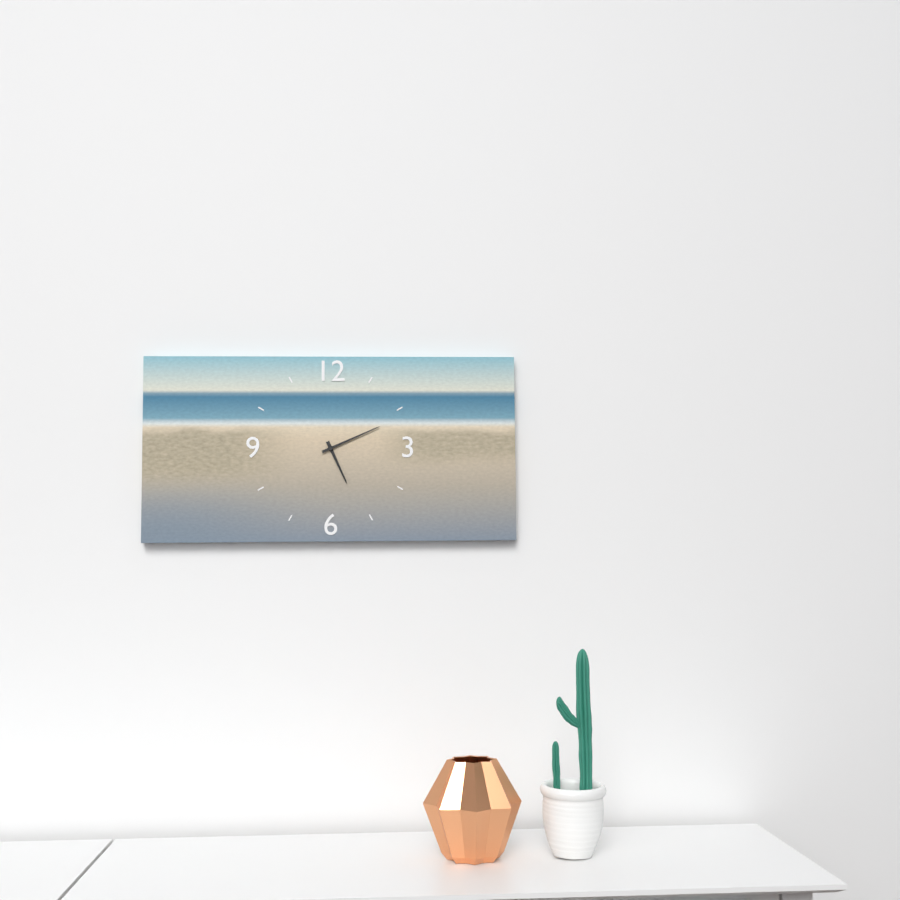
5:11
